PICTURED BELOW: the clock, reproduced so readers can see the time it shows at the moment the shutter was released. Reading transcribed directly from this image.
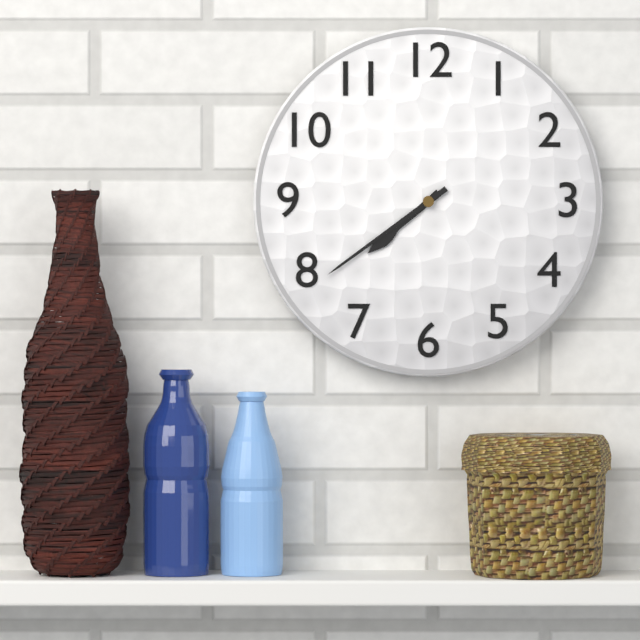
7:39
